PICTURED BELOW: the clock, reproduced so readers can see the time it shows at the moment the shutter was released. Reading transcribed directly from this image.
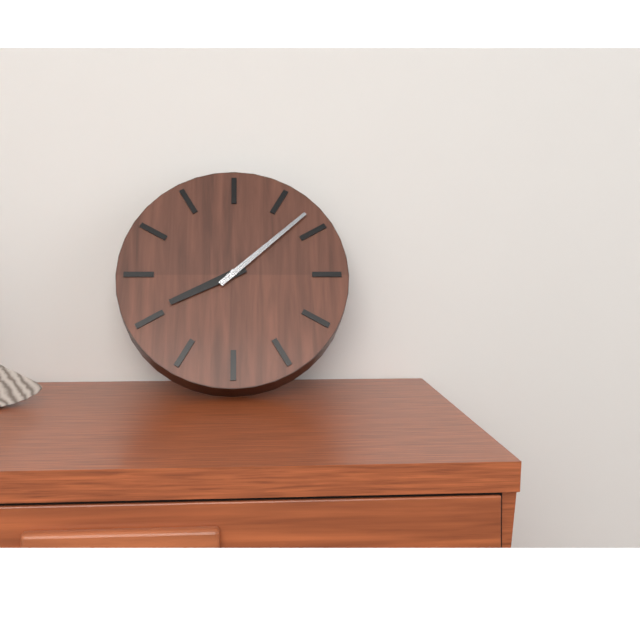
8:08
